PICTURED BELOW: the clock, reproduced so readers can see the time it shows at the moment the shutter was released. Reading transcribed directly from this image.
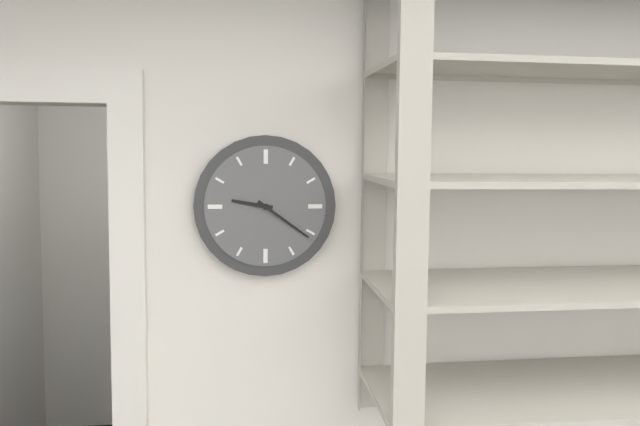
9:21
